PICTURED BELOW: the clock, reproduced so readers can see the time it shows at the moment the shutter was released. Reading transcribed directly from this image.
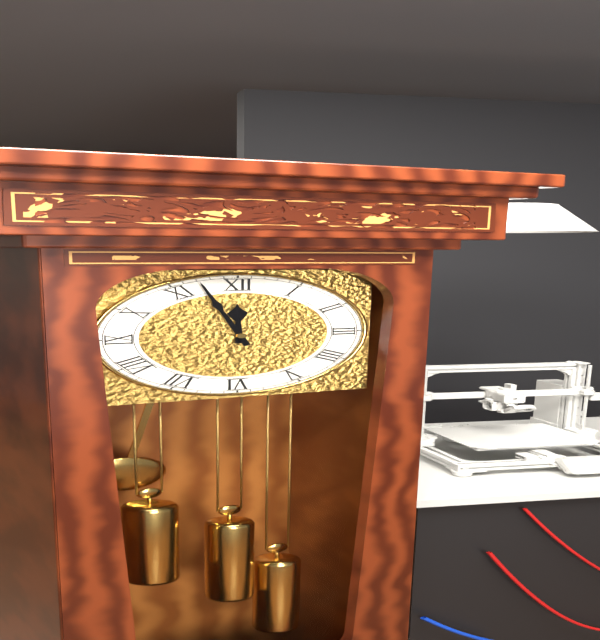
11:57
